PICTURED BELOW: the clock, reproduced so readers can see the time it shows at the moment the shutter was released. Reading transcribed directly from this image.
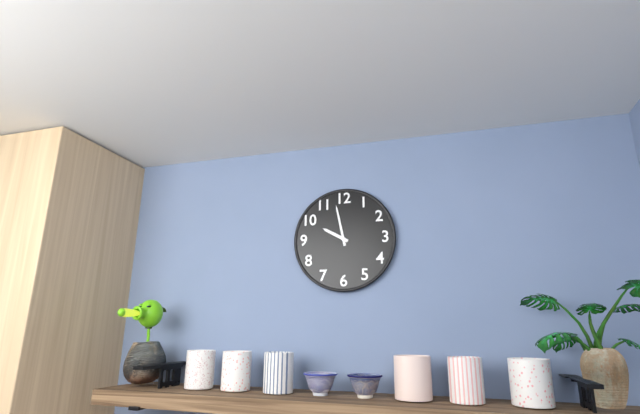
9:58
